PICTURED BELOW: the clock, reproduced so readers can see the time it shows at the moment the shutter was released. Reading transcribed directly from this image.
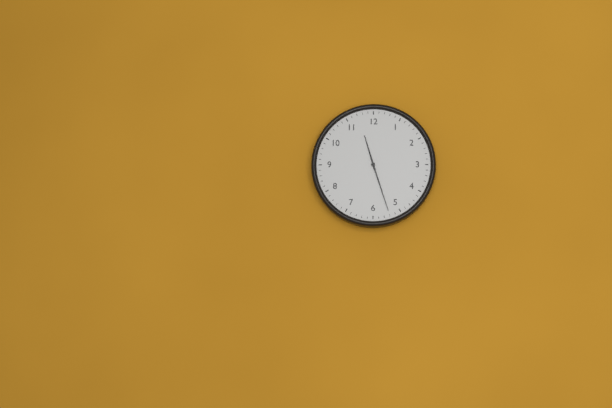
11:27
